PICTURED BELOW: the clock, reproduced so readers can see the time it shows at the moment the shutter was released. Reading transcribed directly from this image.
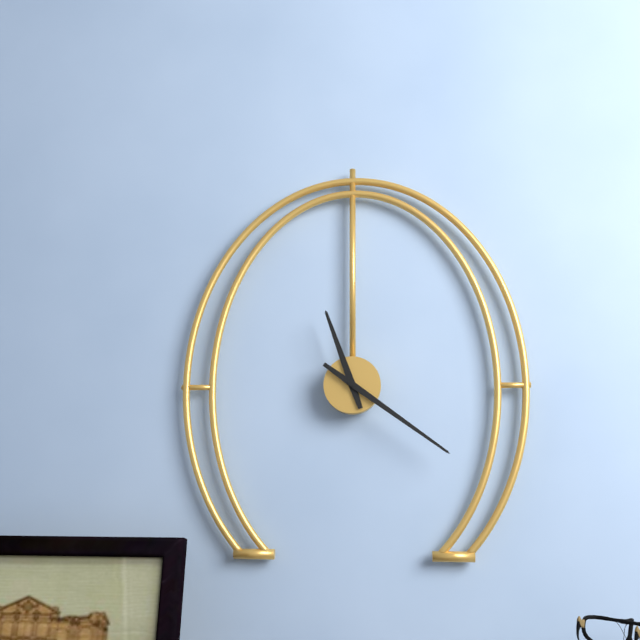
11:21
